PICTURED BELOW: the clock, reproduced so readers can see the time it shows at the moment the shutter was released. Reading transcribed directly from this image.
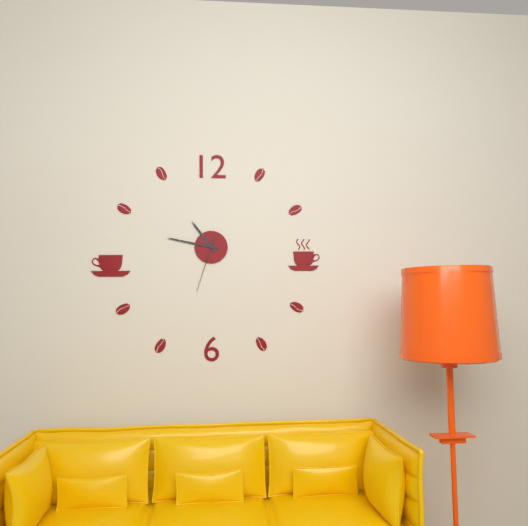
10:47:33
